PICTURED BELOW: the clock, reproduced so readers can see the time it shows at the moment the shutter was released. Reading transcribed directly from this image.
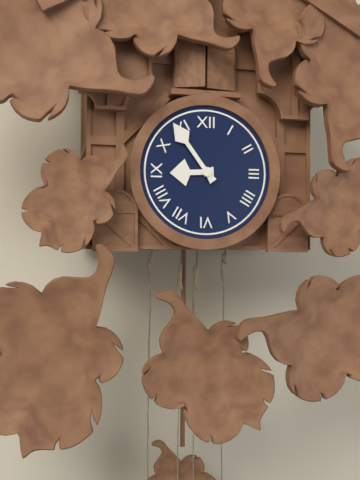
8:54
